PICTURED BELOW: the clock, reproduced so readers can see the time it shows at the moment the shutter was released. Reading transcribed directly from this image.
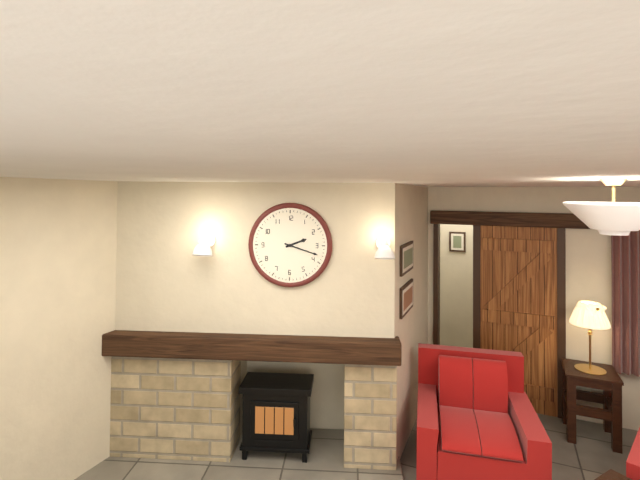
2:18
